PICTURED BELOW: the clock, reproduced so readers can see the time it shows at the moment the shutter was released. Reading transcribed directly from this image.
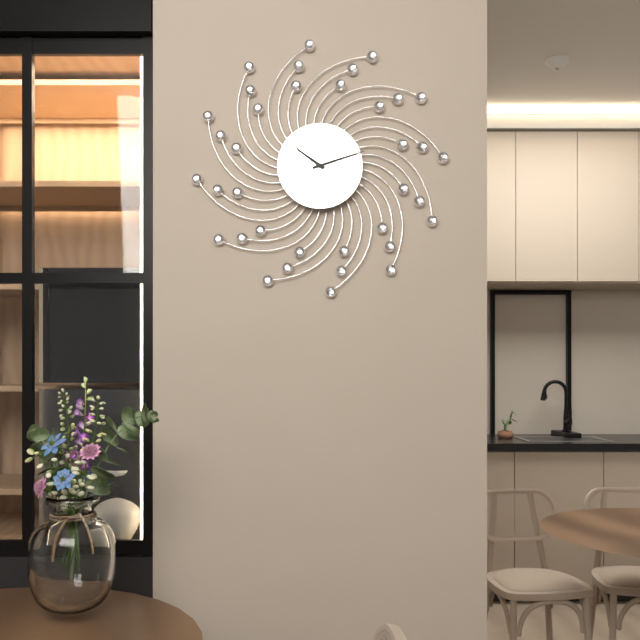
10:12
